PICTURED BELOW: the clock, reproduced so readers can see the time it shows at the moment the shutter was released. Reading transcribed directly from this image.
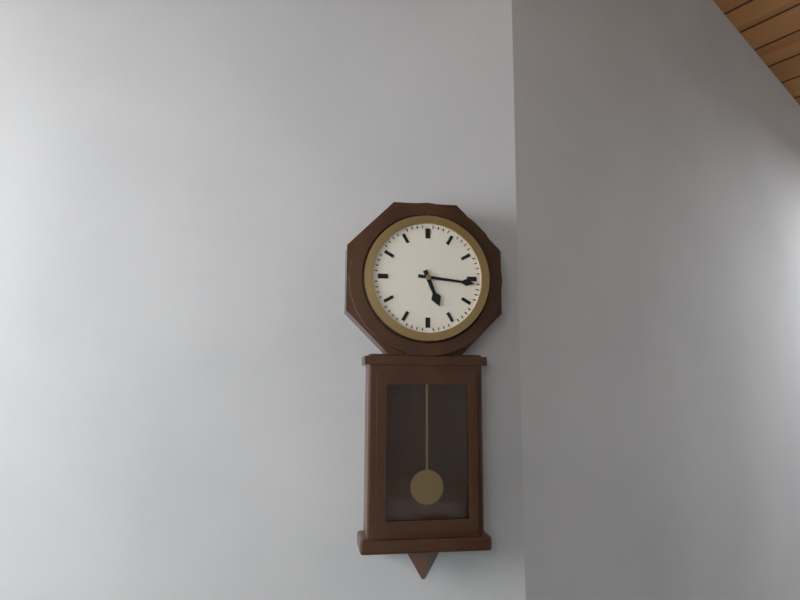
5:16
